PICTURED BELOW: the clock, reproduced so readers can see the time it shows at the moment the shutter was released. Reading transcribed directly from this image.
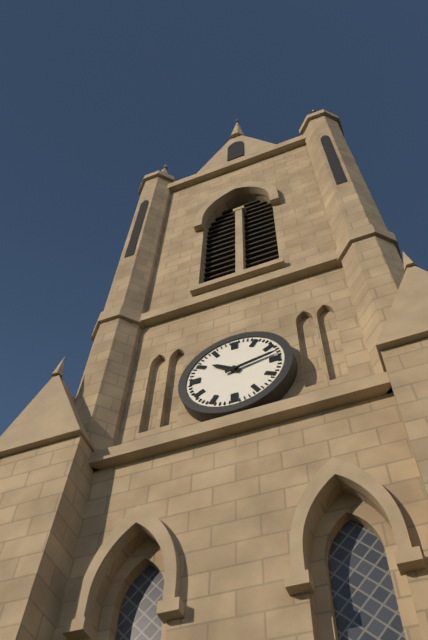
10:13
